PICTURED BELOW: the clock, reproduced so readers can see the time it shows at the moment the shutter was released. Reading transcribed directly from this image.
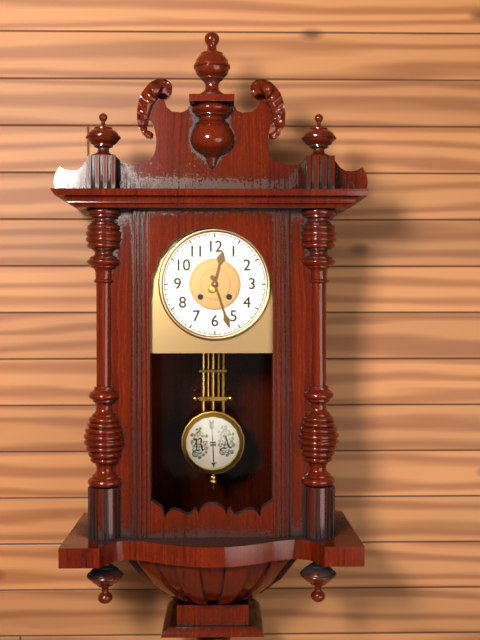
12:27
